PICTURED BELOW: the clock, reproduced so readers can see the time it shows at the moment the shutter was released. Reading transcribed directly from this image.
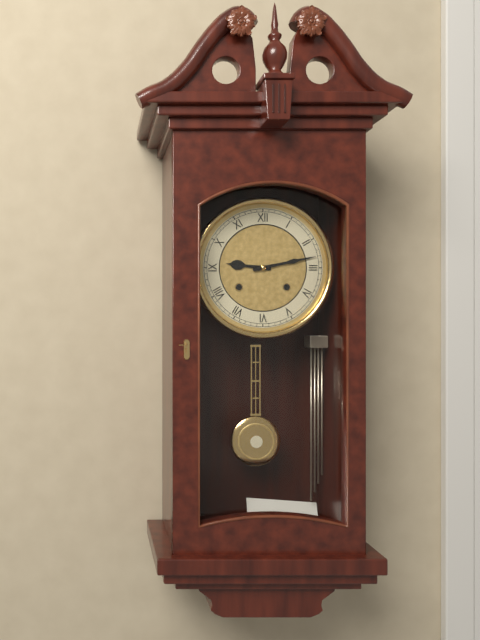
9:13
